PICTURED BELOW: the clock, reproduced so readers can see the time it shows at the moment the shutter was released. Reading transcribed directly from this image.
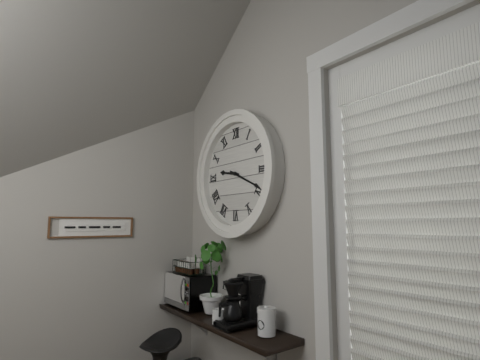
9:19
